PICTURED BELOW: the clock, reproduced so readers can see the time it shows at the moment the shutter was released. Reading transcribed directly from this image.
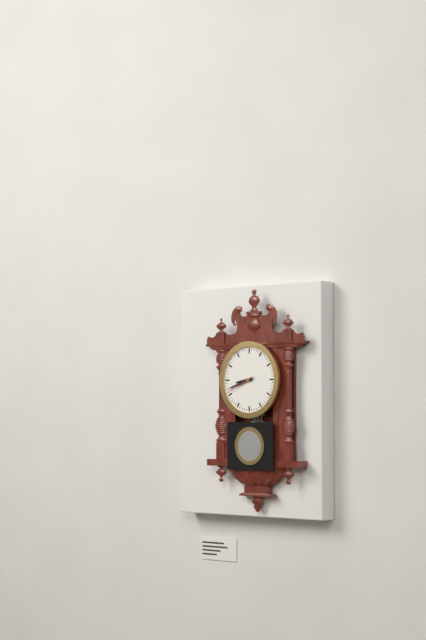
8:42
